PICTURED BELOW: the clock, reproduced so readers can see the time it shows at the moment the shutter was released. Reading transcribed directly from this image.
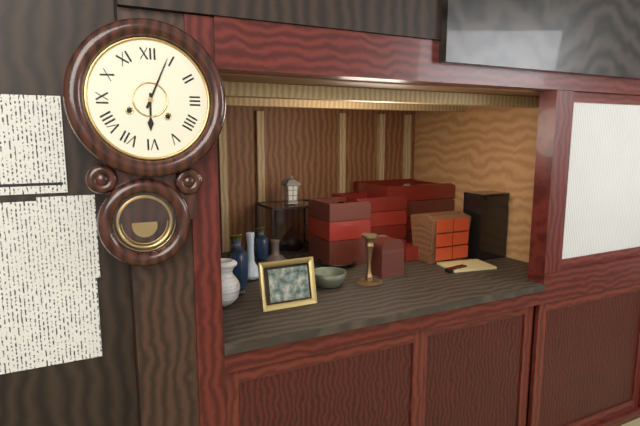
6:04
